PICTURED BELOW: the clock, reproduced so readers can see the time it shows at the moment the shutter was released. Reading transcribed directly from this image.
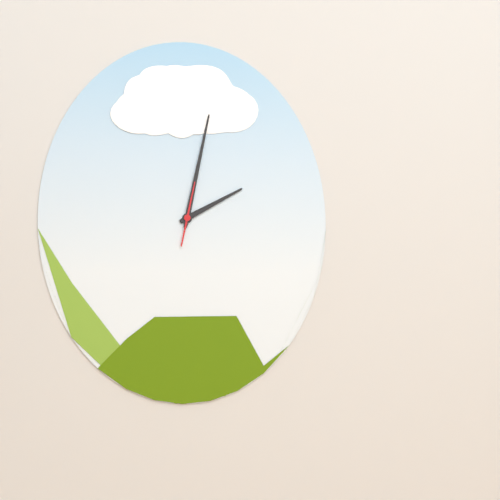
2:02
